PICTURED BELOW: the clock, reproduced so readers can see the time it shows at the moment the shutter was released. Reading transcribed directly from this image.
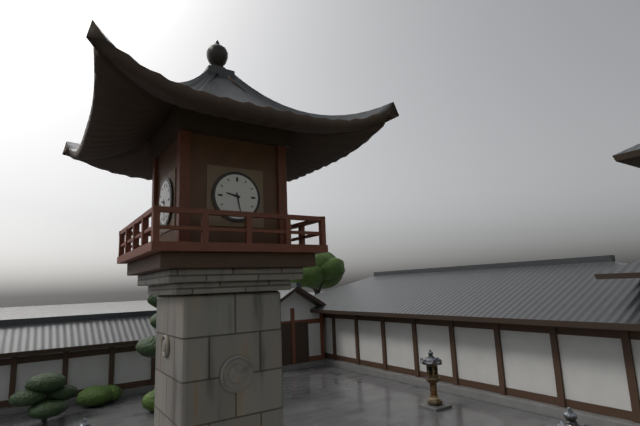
9:28
